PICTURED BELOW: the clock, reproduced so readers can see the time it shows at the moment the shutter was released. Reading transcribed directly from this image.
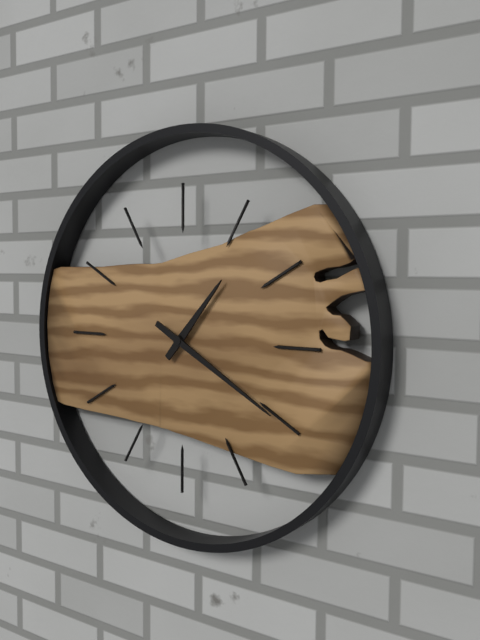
1:20
